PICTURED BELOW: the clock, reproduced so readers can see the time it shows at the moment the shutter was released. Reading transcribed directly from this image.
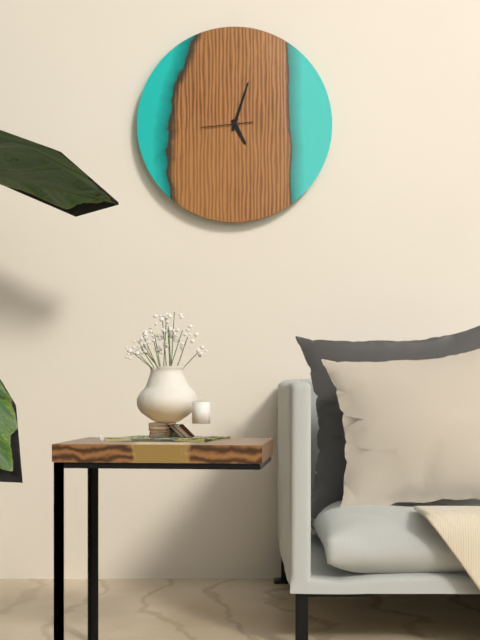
5:03
